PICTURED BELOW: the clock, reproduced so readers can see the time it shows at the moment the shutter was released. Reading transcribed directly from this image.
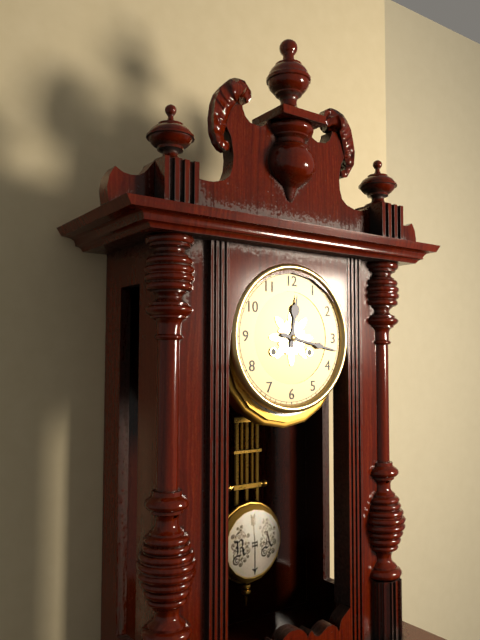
12:17
